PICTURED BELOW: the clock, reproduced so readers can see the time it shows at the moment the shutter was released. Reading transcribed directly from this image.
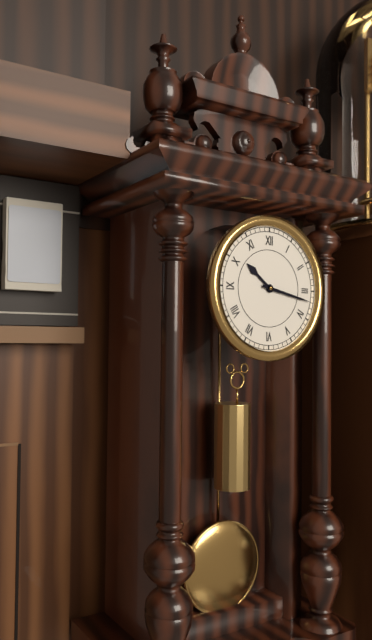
10:17
